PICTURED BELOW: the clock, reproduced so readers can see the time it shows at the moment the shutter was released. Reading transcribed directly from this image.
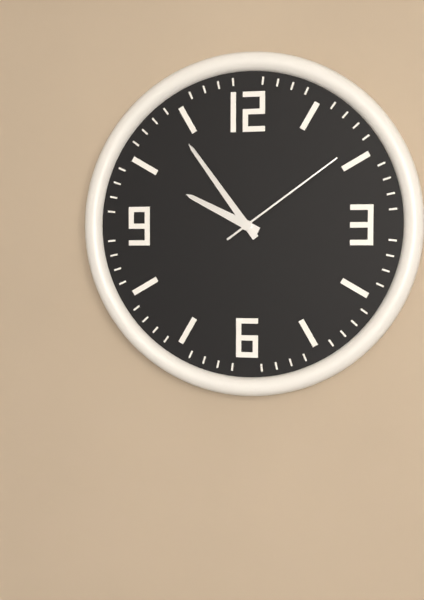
9:54:09
